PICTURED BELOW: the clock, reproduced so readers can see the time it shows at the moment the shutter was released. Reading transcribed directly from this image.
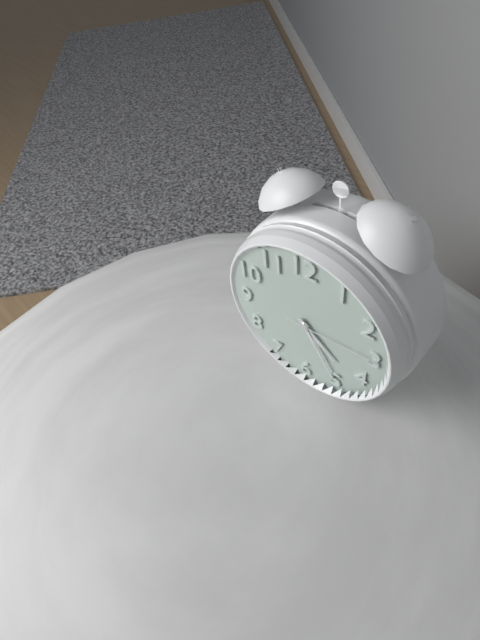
4:25:15
